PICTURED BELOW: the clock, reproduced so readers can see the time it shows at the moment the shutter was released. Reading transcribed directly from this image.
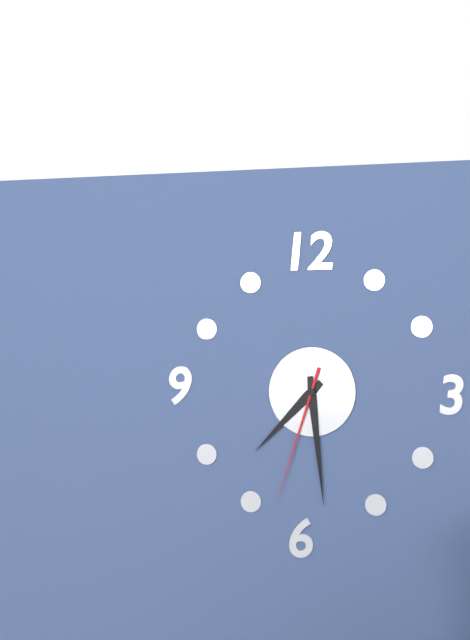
7:29:33
